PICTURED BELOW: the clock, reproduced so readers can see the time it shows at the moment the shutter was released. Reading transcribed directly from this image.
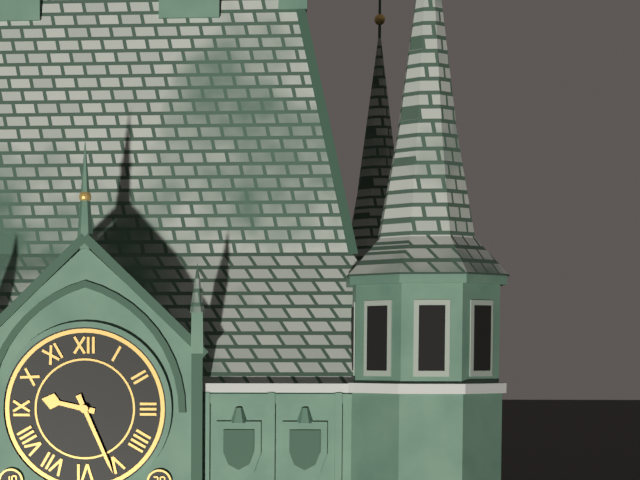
9:26
